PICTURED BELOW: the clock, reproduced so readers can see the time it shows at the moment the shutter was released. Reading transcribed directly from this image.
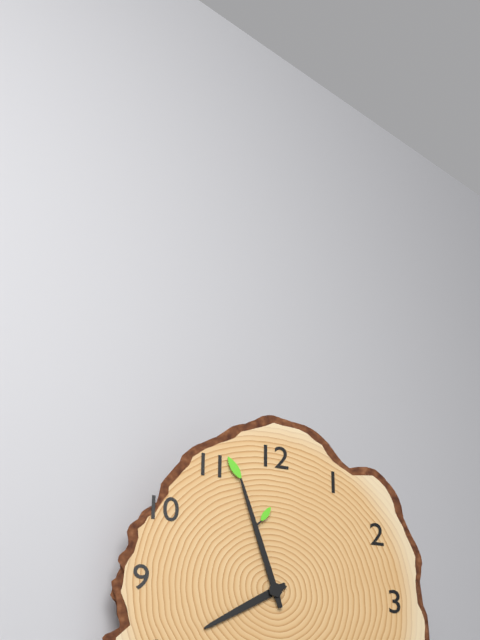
7:57
